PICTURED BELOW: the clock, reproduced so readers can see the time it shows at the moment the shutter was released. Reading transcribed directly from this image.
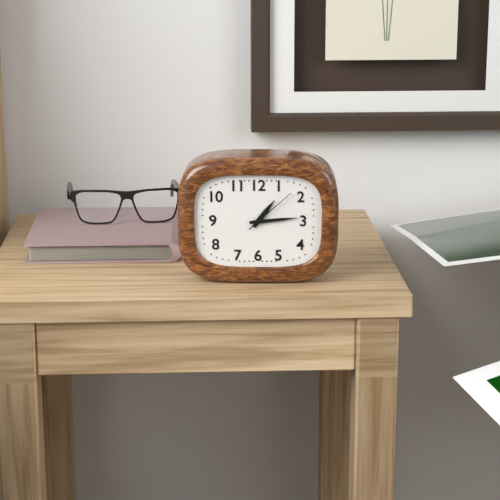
1:14:08
